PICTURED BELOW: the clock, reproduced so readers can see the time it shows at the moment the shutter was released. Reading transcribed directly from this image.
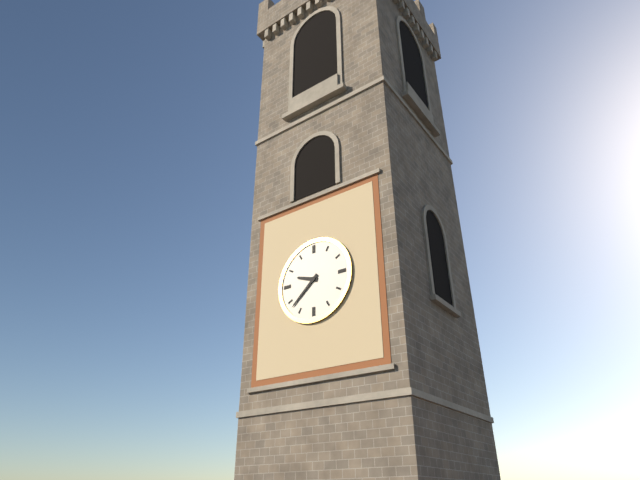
9:38
